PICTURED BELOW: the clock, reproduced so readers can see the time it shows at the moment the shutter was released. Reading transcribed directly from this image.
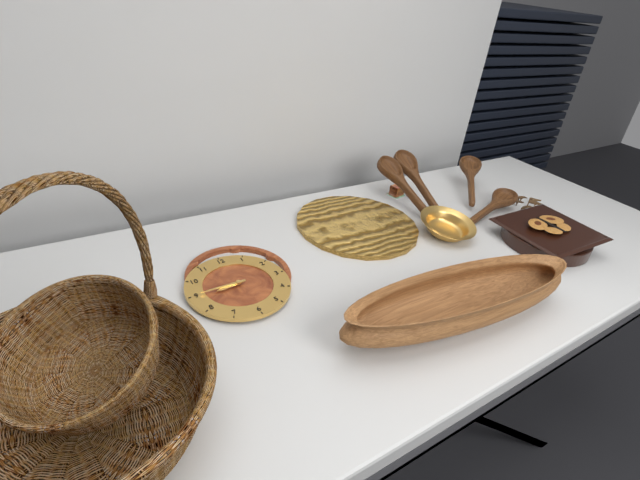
8:45
